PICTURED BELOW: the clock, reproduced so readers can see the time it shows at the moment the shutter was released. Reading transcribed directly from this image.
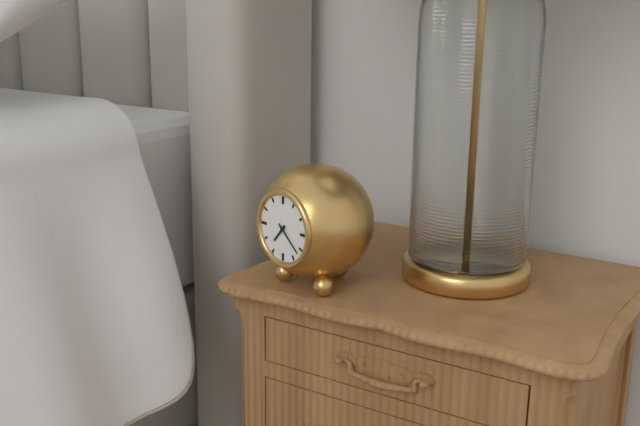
7:22
